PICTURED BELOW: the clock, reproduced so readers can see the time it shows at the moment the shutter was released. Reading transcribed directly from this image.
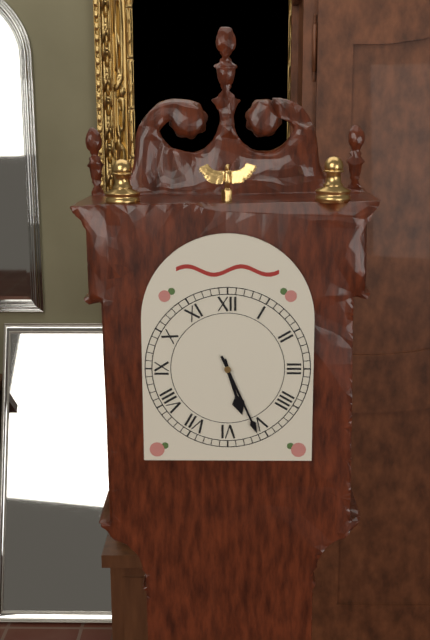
5:26
